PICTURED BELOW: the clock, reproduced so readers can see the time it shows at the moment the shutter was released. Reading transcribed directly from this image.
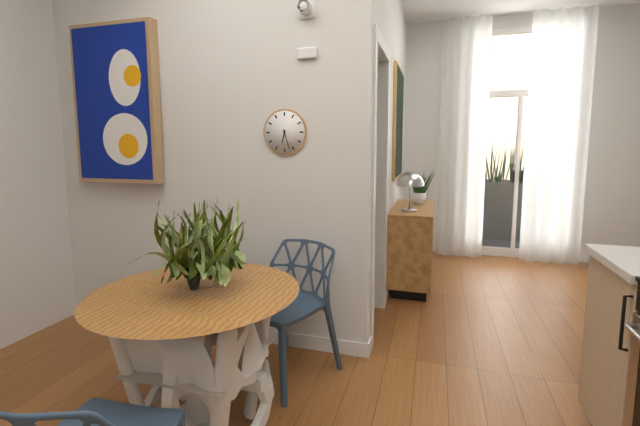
6:27
